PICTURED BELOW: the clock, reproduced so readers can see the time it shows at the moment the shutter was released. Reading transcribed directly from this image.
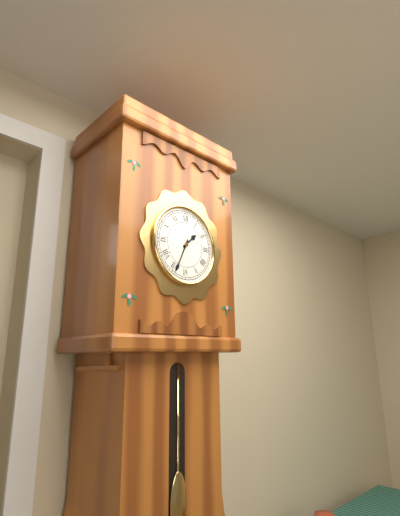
1:34
